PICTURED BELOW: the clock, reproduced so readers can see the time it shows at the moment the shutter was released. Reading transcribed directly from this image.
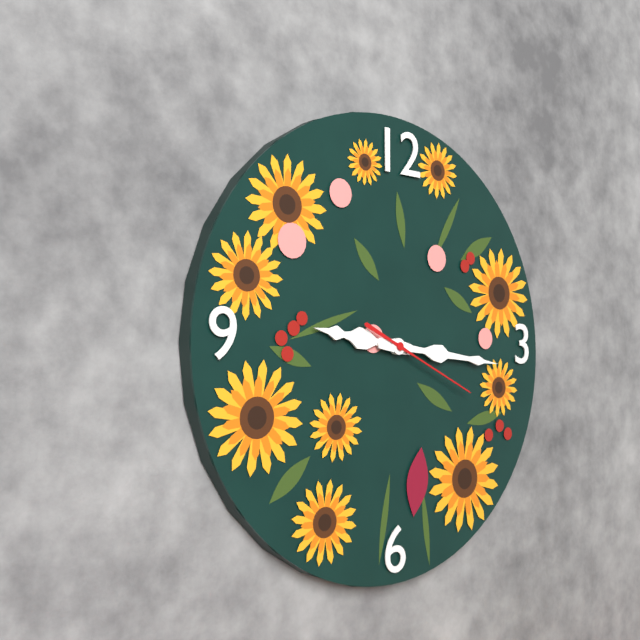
9:16:19
